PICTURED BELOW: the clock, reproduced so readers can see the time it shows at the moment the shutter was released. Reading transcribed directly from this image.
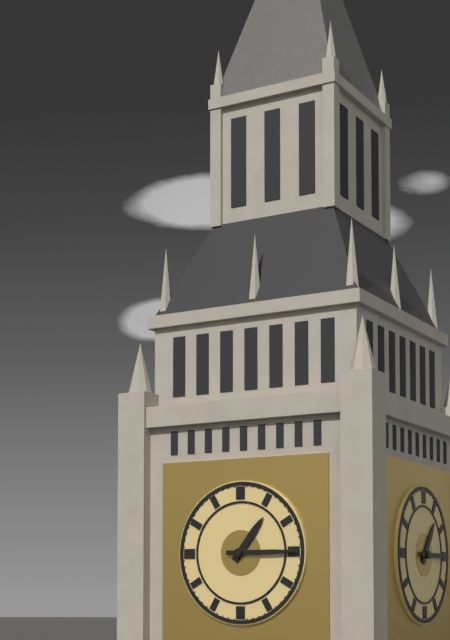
1:15
